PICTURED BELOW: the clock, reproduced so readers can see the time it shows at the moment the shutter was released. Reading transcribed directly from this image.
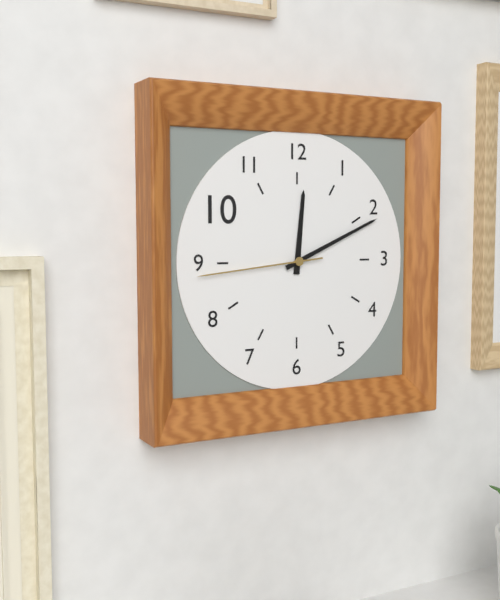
12:11:44
